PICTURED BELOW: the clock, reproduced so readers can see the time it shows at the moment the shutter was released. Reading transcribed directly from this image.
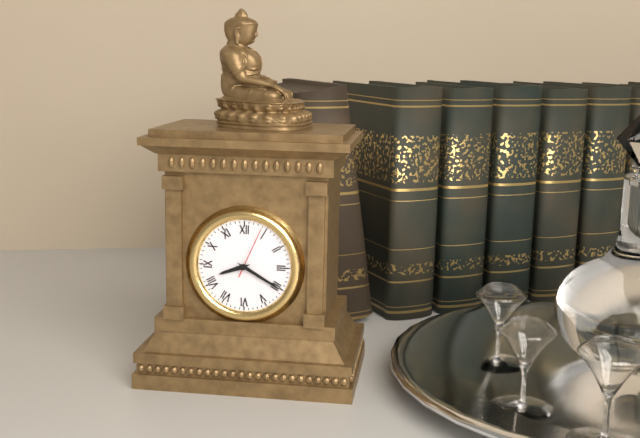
8:20:04
